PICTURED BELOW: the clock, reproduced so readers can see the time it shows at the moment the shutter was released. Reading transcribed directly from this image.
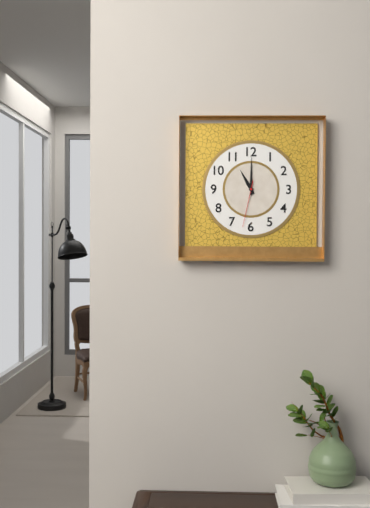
11:00
